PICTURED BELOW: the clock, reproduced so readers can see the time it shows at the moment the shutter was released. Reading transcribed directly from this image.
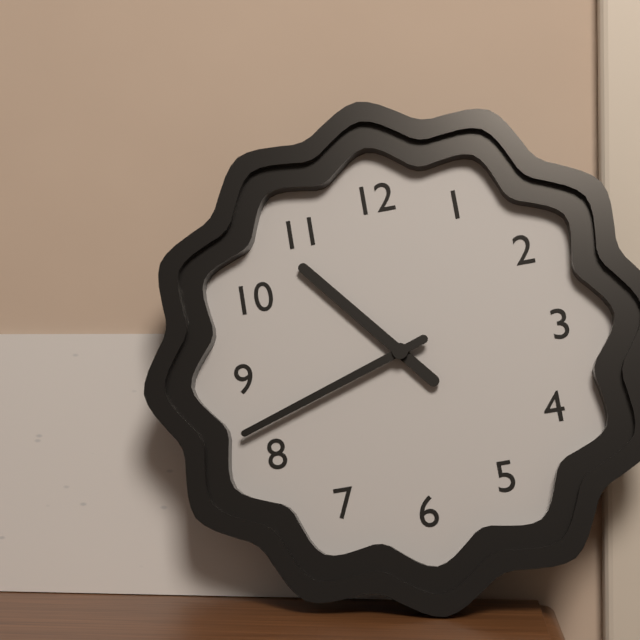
10:42
